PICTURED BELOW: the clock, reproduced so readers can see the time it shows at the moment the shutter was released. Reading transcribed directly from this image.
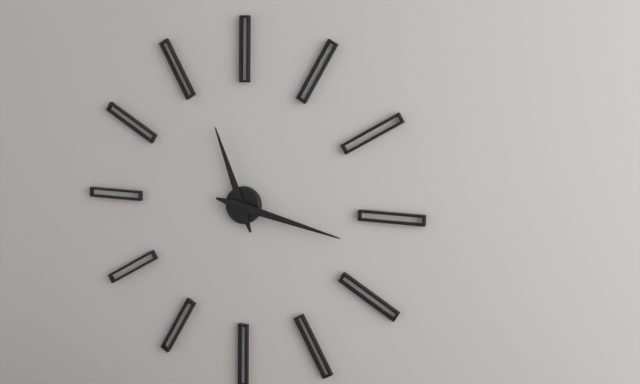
11:17
